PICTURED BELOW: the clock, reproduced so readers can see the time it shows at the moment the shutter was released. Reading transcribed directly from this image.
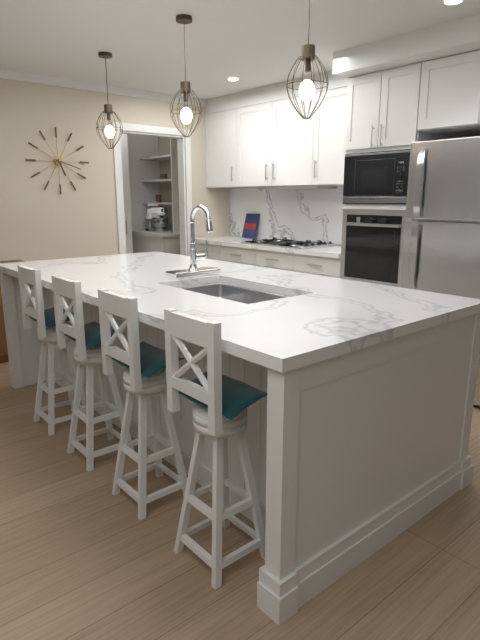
5:18
